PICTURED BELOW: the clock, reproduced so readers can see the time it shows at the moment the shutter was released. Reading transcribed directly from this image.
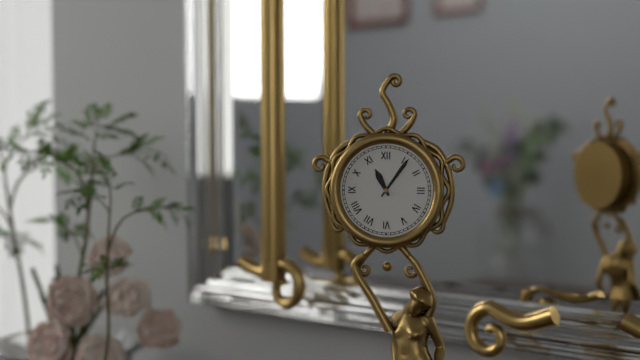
11:06
